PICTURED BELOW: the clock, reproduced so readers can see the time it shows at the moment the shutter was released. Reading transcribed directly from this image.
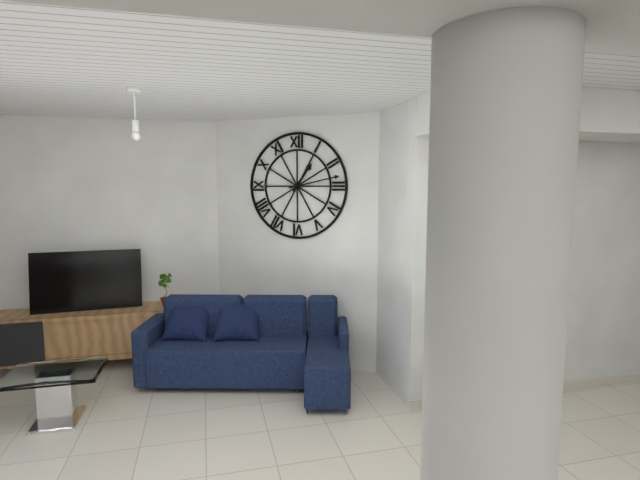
1:13
